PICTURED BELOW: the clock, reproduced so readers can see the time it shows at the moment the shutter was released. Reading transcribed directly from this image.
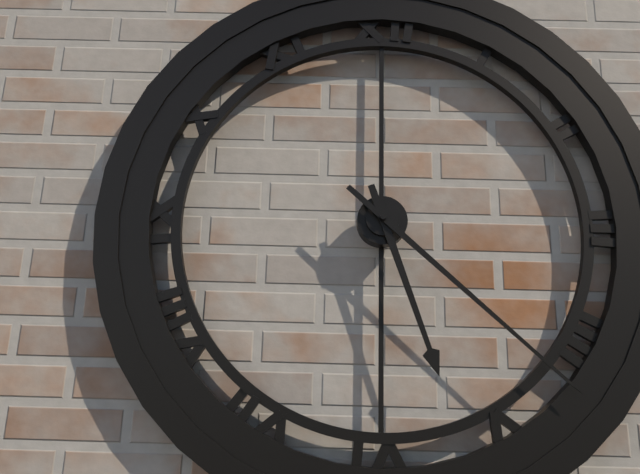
5:22
